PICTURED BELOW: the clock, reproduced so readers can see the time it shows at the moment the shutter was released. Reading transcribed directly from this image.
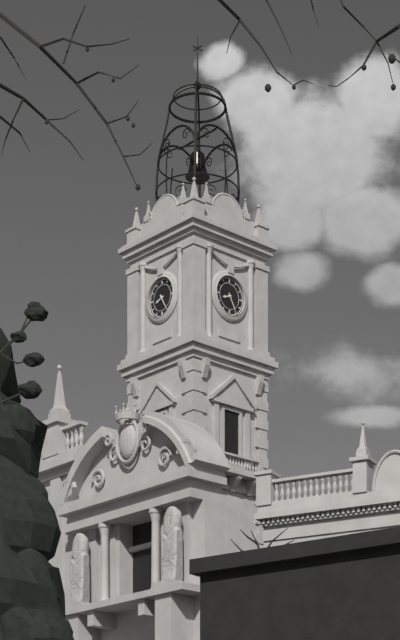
8:25
